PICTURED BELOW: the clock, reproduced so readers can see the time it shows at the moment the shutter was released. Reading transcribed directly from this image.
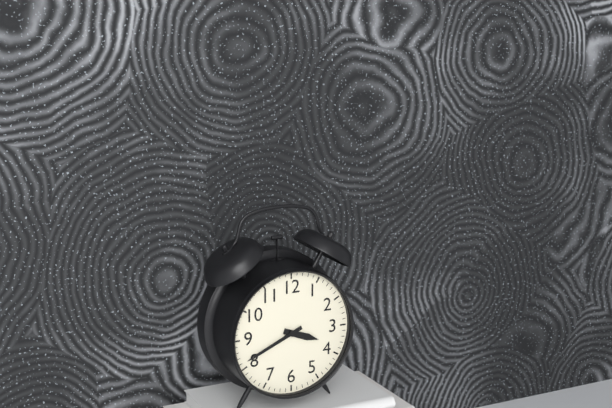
3:41
